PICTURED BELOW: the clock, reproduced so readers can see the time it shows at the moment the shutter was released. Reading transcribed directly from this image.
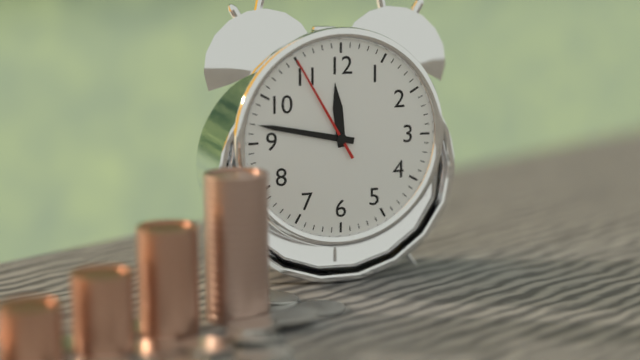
11:47:55
